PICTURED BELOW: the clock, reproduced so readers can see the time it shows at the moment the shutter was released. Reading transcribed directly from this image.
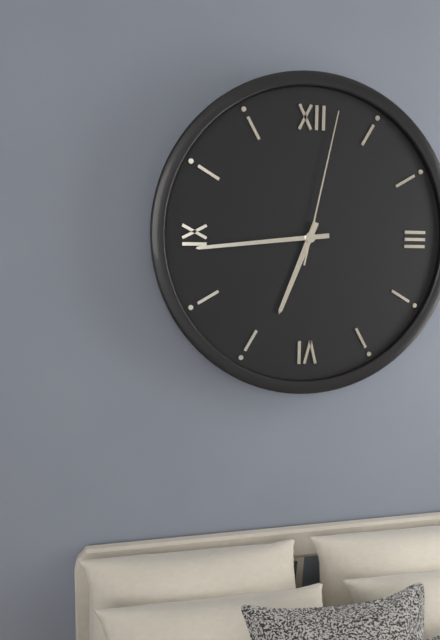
6:44:02
